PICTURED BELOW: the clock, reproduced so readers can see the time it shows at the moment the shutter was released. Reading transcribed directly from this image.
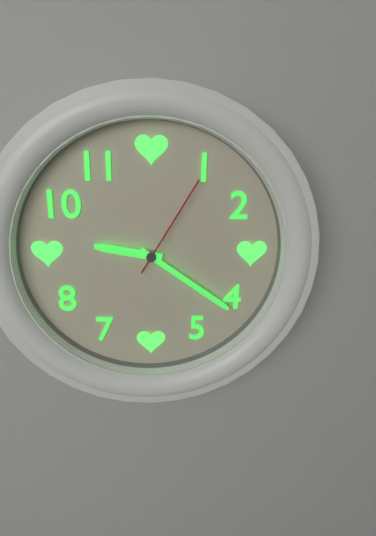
9:21:05
